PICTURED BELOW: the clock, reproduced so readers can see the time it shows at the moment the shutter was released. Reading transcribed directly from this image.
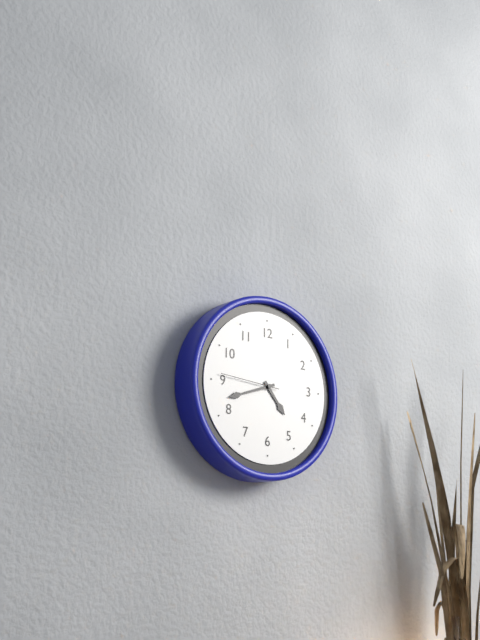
4:42:46
